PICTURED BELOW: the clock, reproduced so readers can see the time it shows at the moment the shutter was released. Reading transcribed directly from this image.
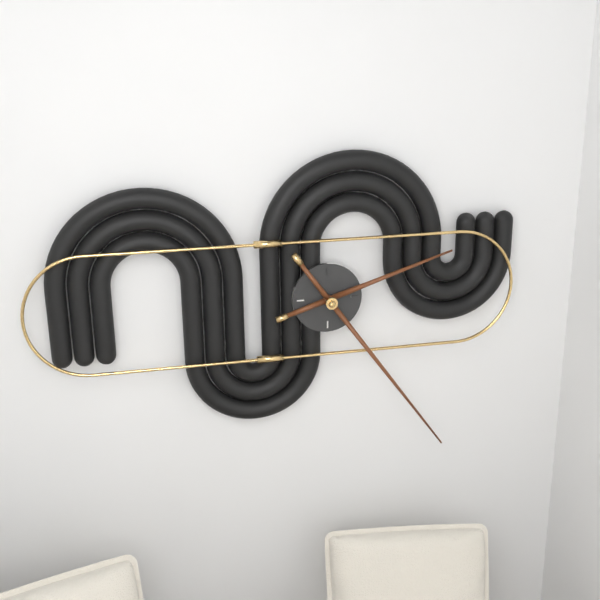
2:24
